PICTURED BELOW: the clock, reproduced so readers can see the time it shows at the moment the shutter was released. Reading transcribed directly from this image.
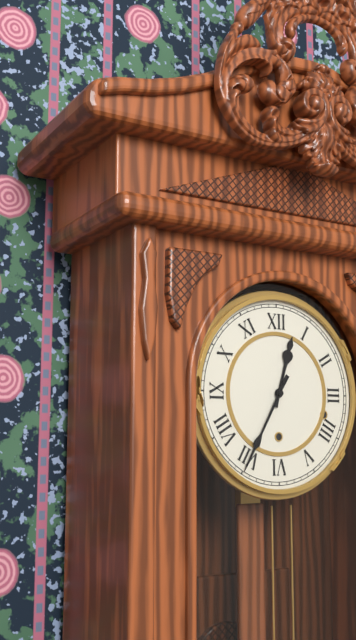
12:35
